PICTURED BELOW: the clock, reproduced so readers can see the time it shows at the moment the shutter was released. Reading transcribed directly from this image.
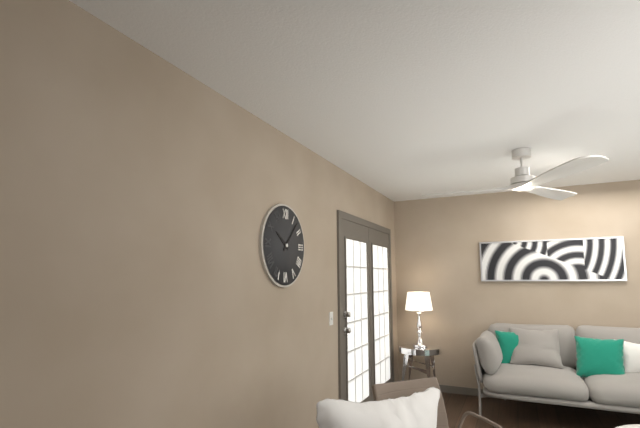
10:07
